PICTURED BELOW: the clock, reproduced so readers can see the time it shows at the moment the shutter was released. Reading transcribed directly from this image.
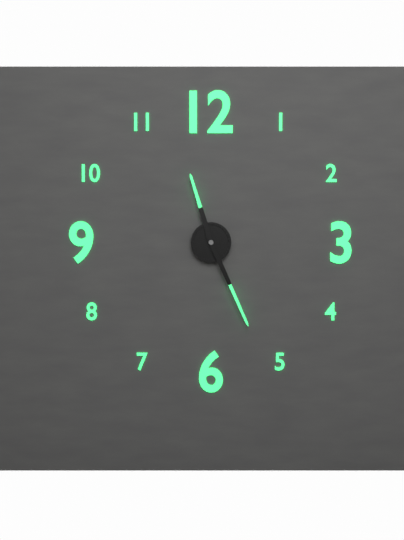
11:26
